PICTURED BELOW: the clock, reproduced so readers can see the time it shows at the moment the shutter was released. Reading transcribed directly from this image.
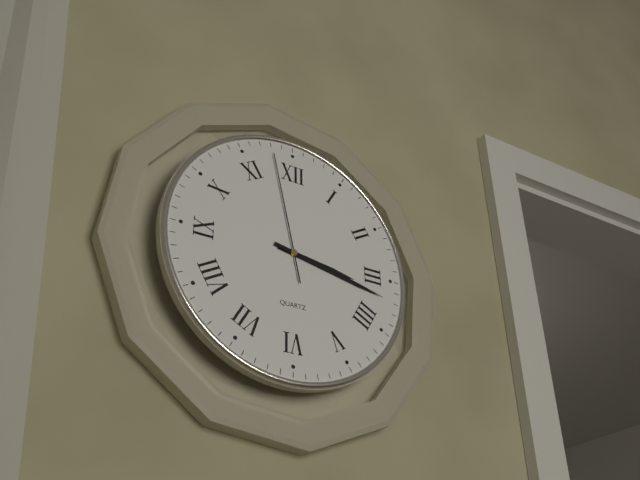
3:17:58
